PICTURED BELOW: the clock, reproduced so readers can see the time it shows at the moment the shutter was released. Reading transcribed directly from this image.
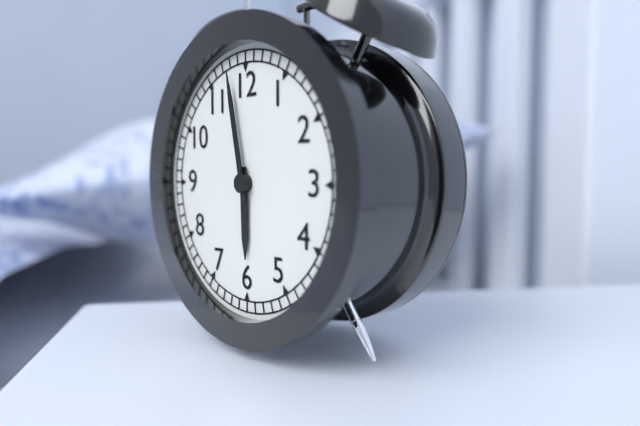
5:58
